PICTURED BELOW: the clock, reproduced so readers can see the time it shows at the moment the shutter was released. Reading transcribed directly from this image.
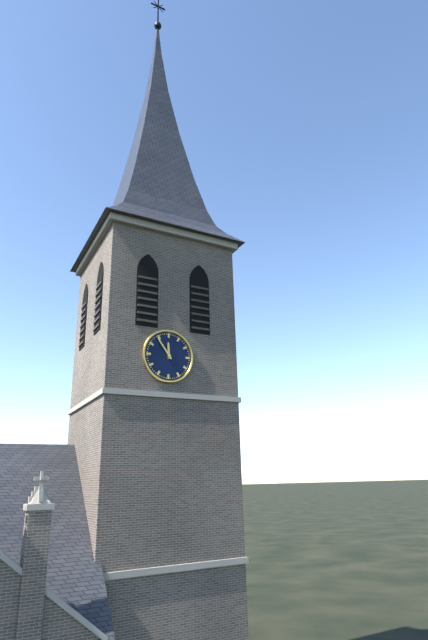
11:54
